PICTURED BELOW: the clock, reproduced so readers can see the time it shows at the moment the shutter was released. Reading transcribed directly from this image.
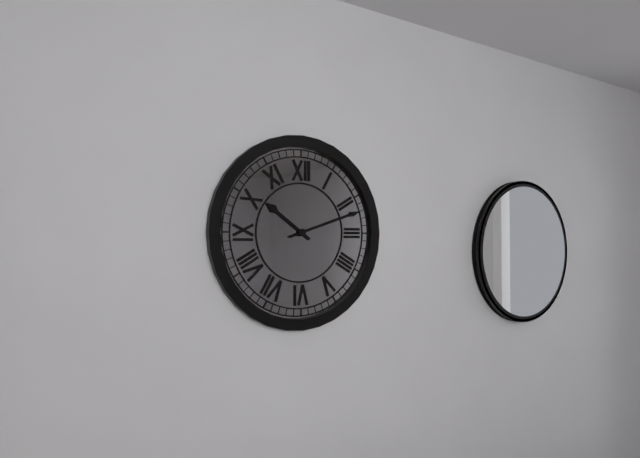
10:12
